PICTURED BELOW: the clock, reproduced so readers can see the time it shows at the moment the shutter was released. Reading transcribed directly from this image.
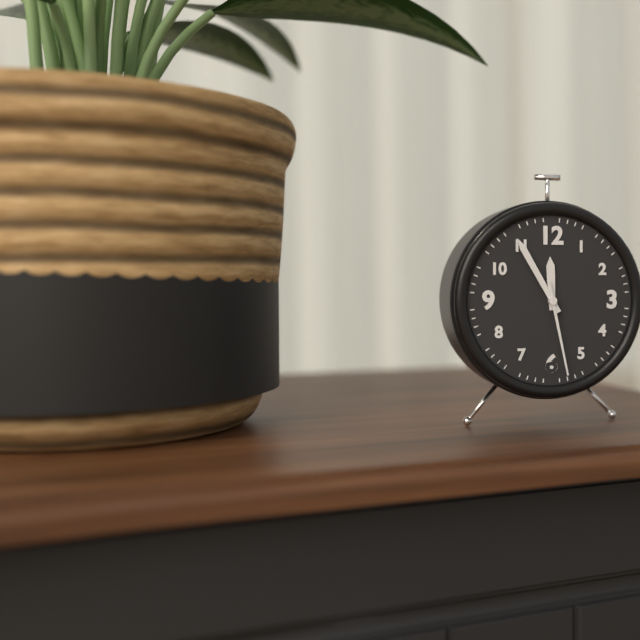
11:55:28
